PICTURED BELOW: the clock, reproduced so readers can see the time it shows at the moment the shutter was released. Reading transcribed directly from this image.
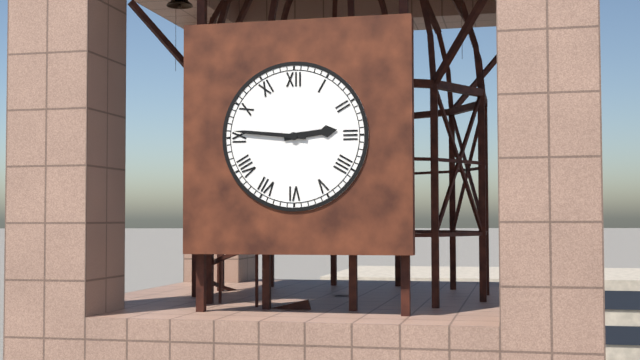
2:46
